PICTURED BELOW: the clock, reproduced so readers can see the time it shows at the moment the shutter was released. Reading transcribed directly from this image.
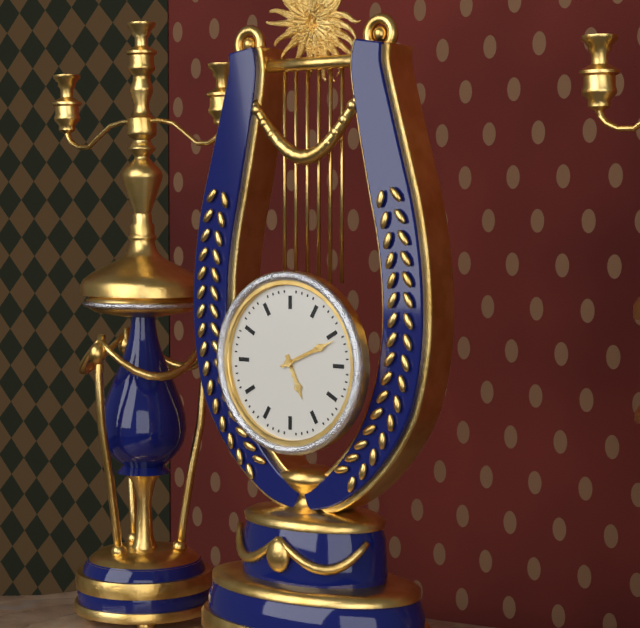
5:11
